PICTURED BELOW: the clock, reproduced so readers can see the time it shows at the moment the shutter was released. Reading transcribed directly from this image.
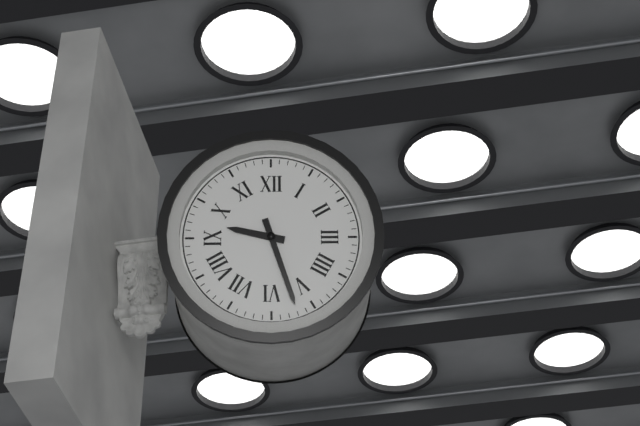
9:27
